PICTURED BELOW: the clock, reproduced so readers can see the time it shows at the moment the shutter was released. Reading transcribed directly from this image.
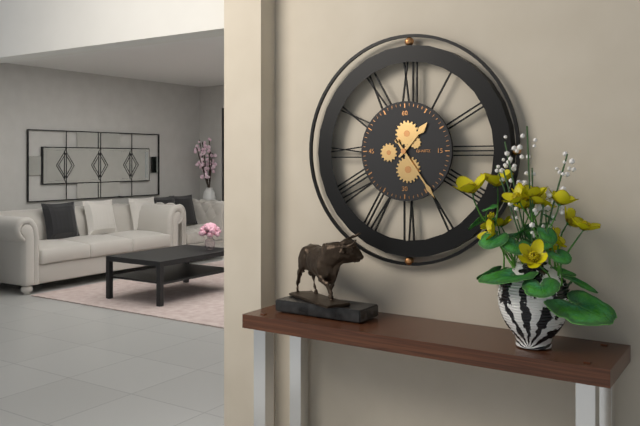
1:24
